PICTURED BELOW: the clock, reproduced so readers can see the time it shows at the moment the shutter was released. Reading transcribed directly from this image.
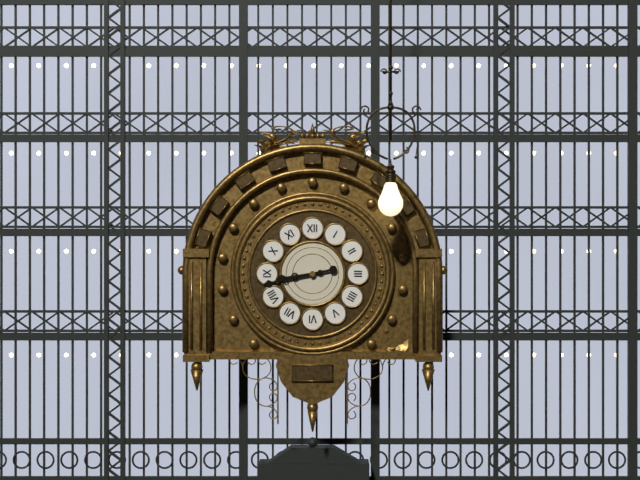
8:43
